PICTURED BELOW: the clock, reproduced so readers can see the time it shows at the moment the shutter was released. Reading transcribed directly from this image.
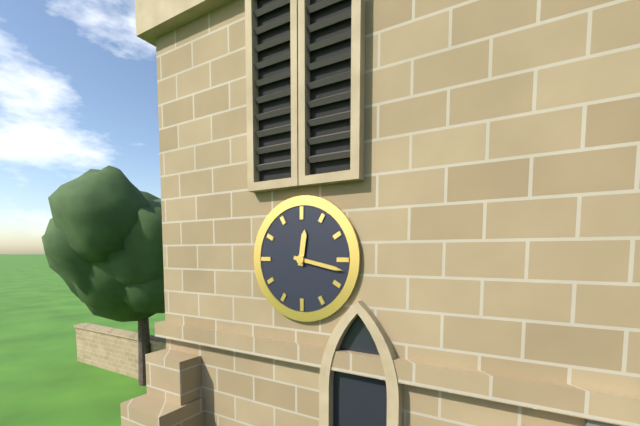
12:17
